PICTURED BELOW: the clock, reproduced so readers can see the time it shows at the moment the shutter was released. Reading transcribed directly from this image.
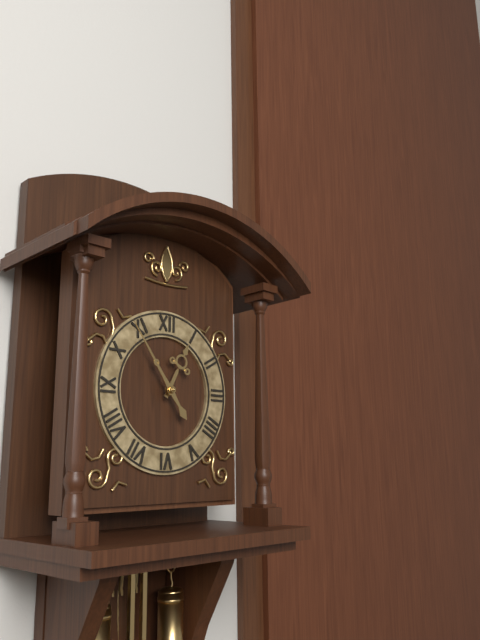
12:54
